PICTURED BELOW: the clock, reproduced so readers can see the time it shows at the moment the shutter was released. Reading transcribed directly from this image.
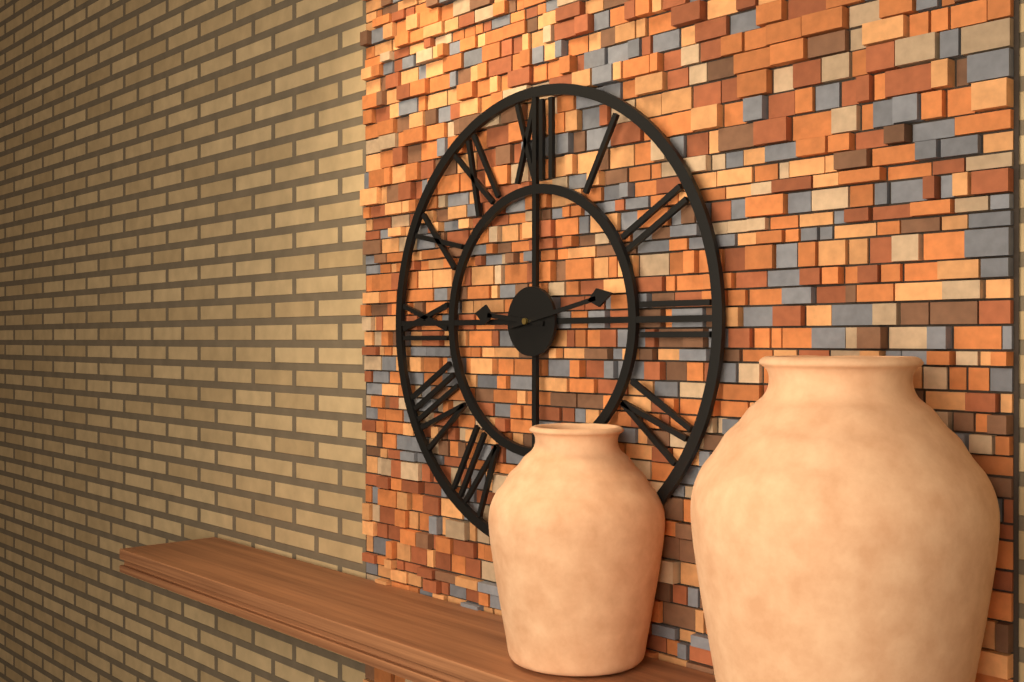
9:13
